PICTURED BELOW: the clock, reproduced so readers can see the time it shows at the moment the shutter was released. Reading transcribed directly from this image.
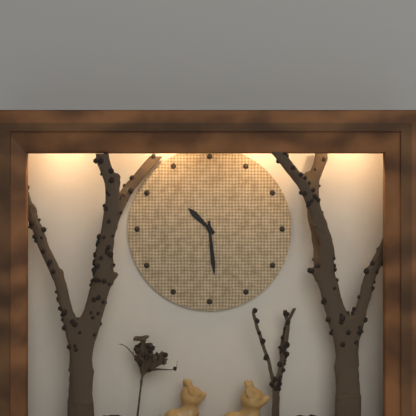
10:29
